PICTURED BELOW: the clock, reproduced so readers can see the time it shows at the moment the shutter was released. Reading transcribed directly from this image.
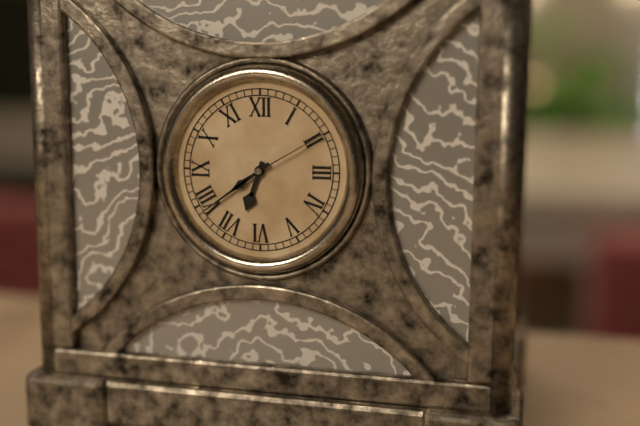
6:39:10
